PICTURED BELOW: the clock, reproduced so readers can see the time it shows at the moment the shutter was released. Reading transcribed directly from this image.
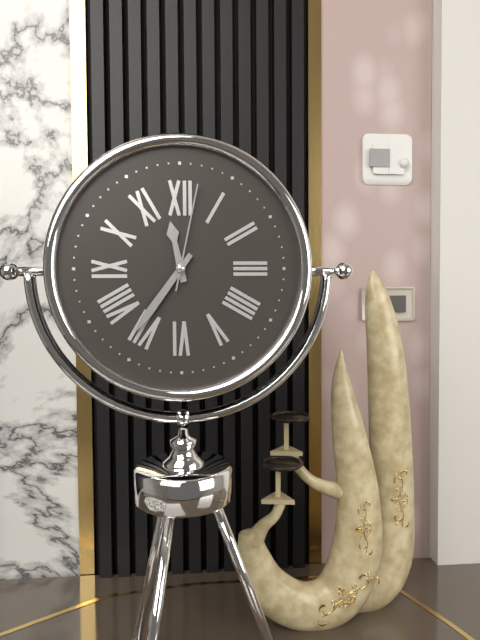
11:36:02
